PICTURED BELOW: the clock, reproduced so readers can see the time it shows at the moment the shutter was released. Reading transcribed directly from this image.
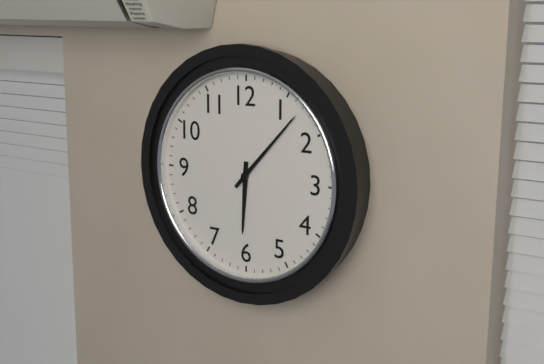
6:07
